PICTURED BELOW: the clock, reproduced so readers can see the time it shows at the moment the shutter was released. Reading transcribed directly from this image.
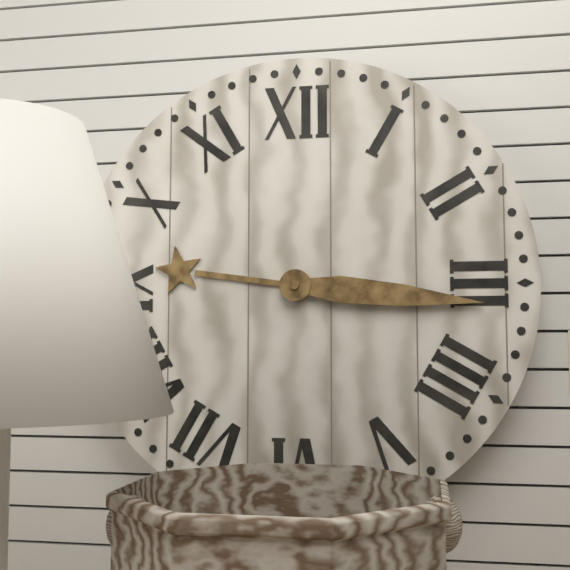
9:16
